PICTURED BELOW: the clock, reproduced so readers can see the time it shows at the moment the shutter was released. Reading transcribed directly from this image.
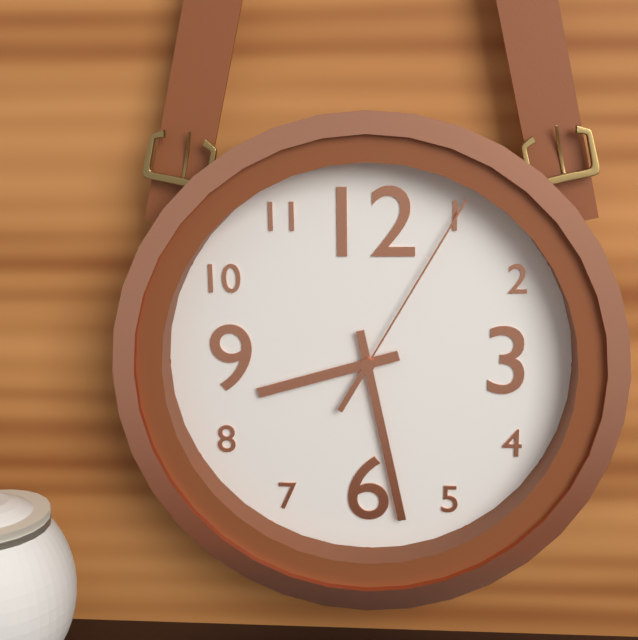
8:28:05
